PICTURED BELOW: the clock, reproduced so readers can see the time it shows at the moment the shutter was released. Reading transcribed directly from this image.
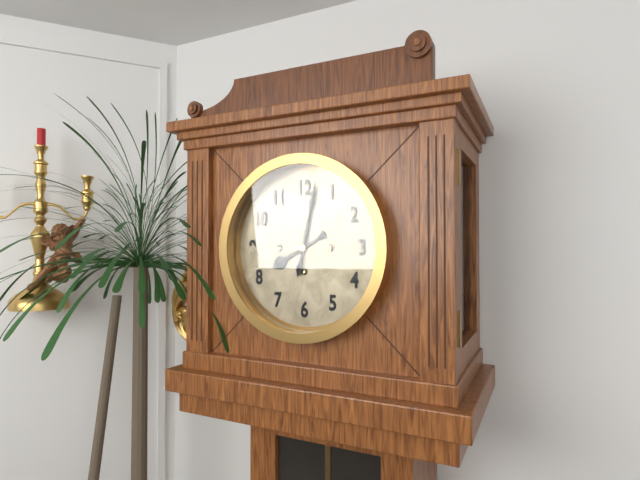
8:02
